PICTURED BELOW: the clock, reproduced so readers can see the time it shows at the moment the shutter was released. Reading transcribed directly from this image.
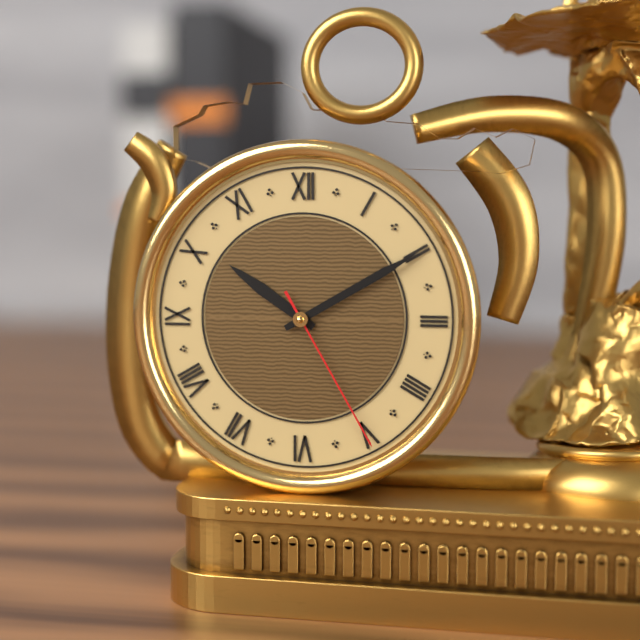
10:10:25
